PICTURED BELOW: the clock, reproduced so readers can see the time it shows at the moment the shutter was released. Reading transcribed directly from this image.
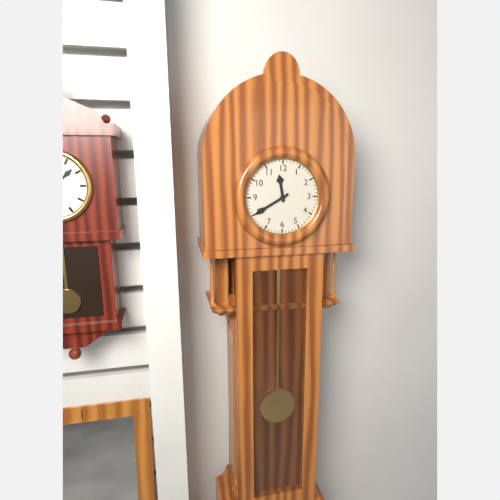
11:40
